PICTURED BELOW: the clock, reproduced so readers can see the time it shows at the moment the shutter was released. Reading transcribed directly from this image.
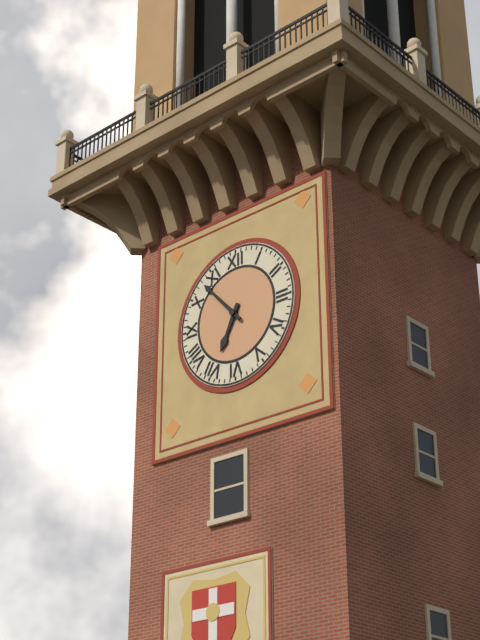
6:53
